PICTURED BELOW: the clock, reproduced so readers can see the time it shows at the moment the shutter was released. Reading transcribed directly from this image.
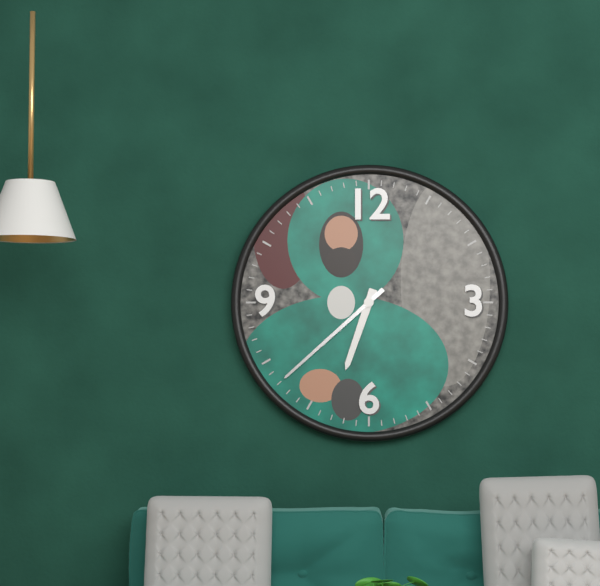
6:38
